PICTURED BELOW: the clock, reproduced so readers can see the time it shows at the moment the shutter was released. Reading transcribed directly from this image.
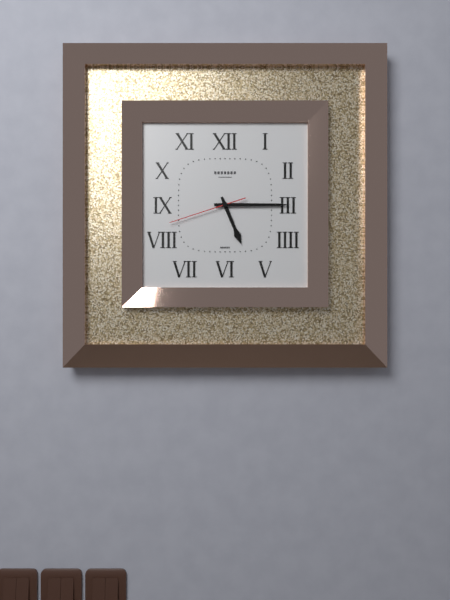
5:15:42
